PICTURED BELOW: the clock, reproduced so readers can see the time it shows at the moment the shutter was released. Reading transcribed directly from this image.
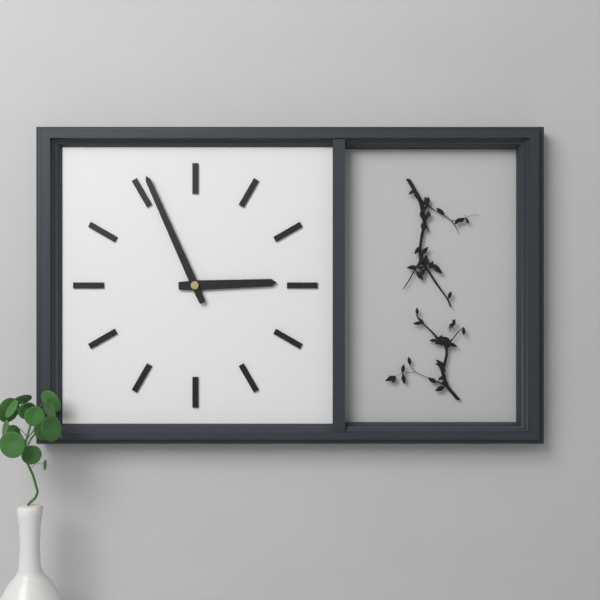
2:56
